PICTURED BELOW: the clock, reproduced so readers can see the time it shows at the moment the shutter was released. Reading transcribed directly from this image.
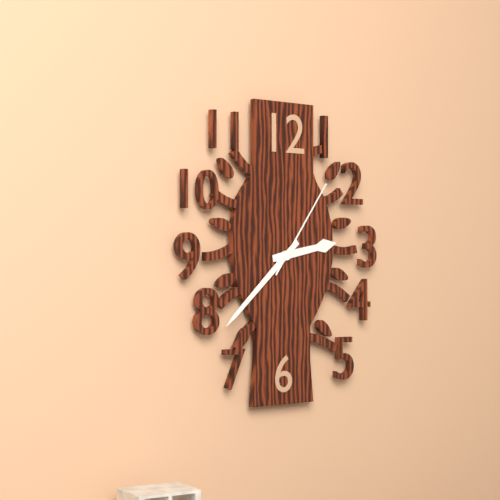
2:38:06
